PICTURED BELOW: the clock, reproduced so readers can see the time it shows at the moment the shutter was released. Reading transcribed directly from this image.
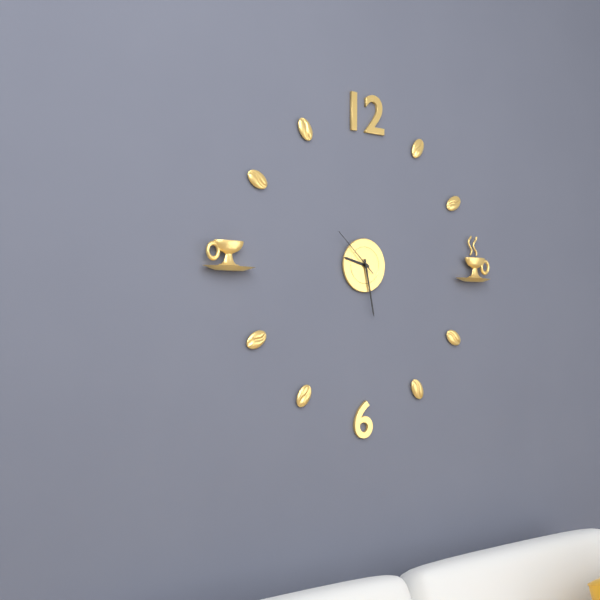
9:28:52
